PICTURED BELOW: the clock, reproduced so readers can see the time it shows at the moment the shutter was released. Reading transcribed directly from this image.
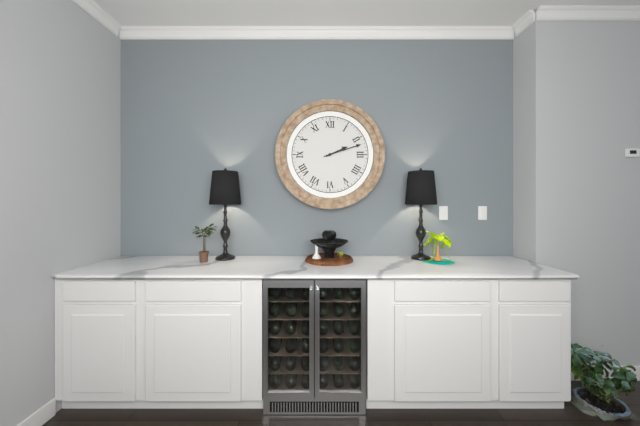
2:12
